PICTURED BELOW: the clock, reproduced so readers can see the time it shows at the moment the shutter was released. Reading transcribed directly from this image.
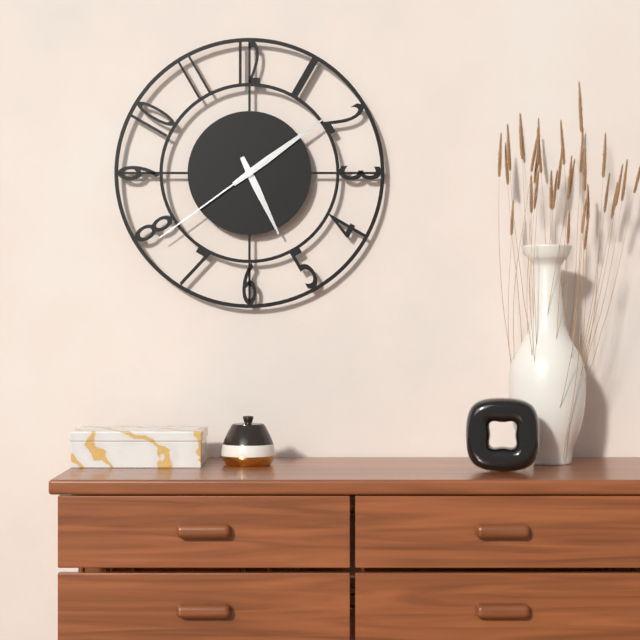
5:09:39
